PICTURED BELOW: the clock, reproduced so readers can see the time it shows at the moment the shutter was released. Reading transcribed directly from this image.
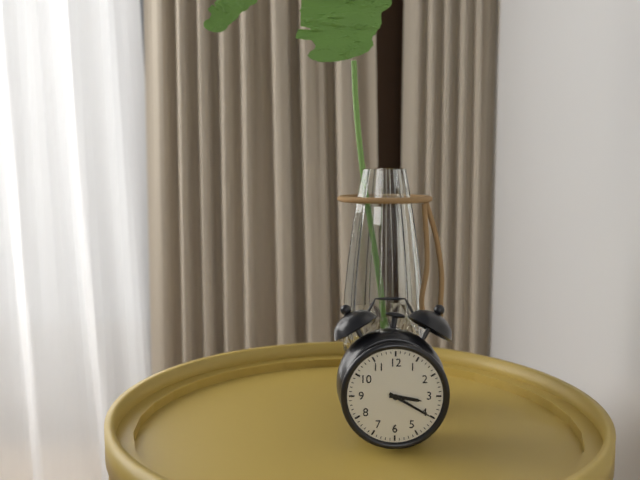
3:20
